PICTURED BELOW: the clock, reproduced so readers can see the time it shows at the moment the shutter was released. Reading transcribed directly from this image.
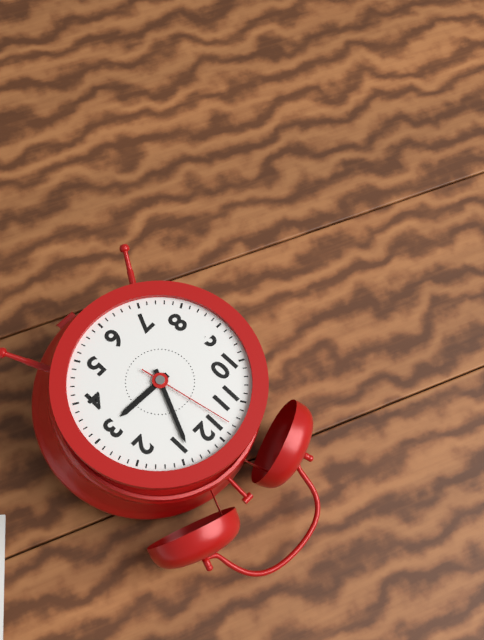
3:04:58
